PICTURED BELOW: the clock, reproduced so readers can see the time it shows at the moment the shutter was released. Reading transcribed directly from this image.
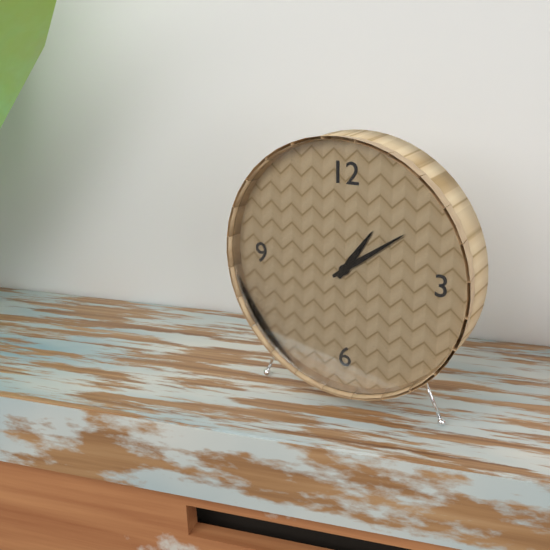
1:09
